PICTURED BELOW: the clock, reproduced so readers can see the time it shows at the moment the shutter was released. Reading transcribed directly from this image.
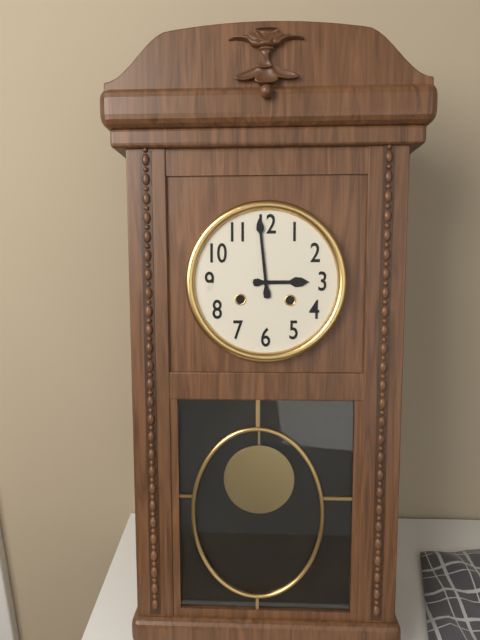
2:59
